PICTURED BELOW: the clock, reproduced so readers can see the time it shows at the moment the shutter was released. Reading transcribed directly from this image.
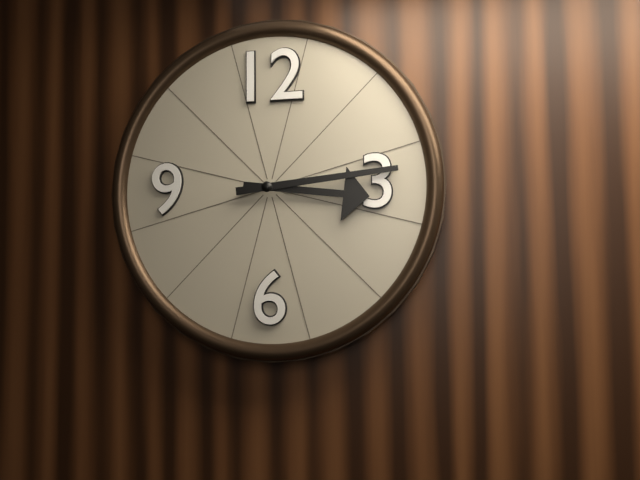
3:14
